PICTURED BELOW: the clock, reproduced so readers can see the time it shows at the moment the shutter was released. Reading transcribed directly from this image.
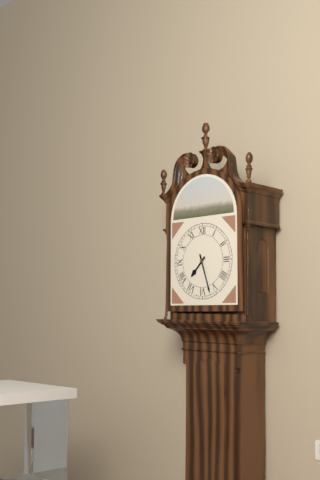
7:27
